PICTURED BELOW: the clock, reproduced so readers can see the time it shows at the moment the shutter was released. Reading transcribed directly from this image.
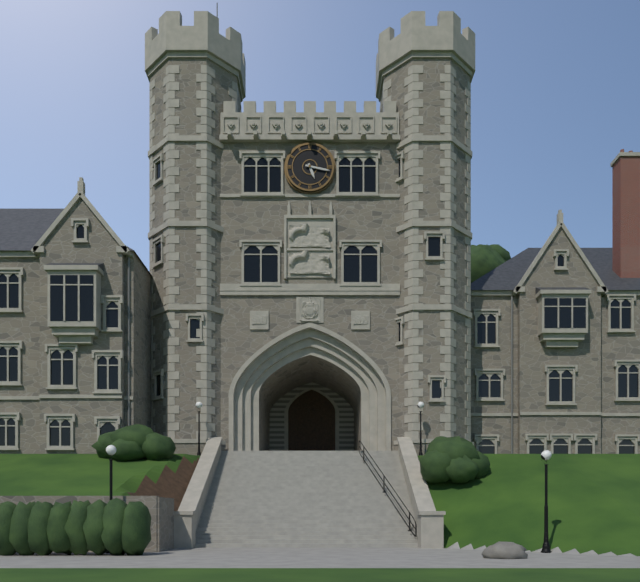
5:17
